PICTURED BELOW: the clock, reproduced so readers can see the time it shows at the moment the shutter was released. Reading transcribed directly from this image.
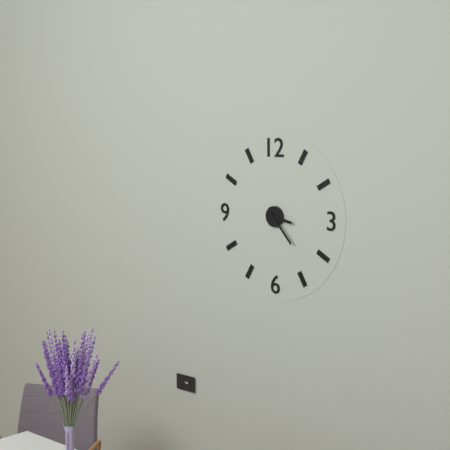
3:23
